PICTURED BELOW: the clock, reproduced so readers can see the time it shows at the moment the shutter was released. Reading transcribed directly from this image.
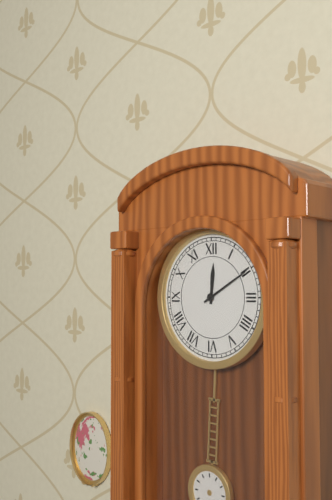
12:10
